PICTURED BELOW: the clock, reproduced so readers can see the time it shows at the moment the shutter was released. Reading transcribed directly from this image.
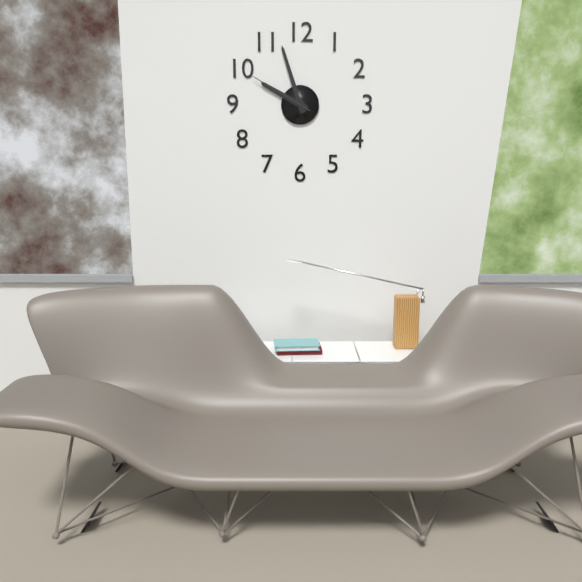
9:57:50
